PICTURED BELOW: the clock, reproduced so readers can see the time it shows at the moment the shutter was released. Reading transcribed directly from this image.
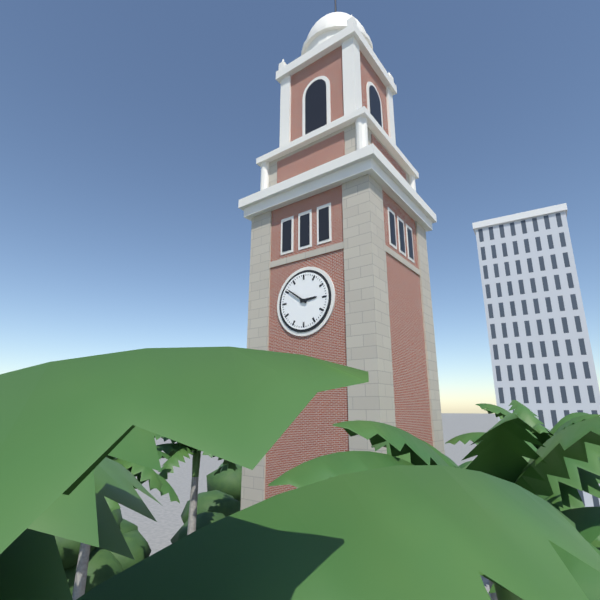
2:51
